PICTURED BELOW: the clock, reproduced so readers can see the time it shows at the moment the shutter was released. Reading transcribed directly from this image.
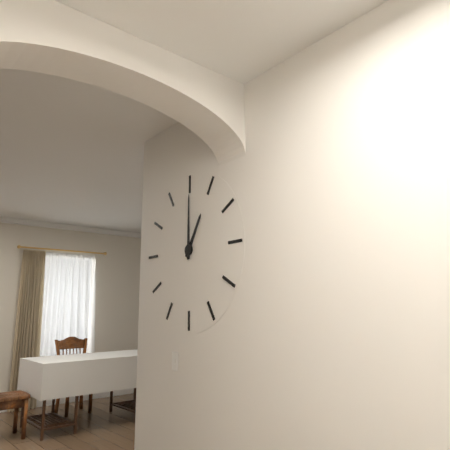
1:00
